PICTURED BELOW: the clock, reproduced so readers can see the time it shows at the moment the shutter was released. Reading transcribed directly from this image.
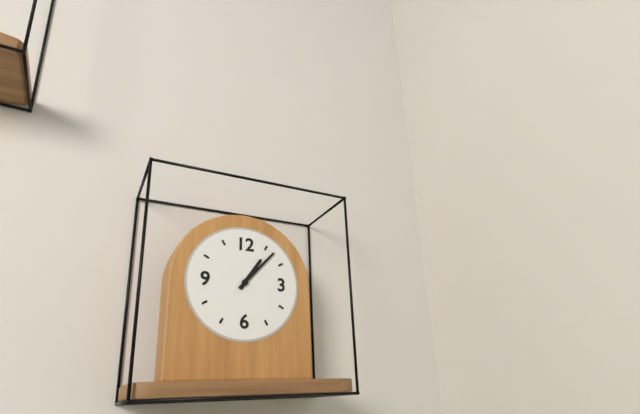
1:07
